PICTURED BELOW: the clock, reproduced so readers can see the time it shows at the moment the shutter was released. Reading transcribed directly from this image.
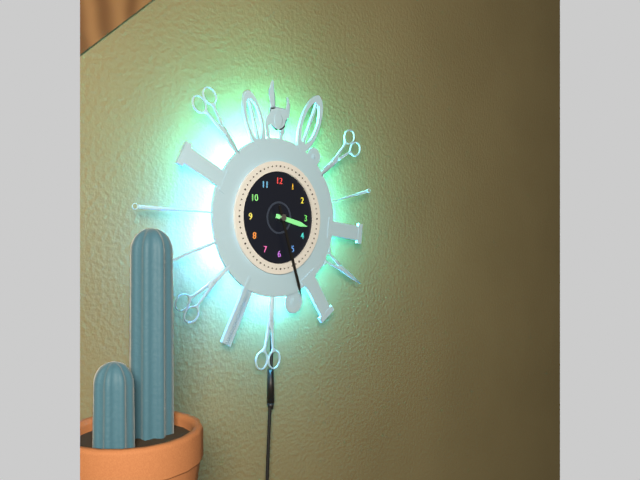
3:27
